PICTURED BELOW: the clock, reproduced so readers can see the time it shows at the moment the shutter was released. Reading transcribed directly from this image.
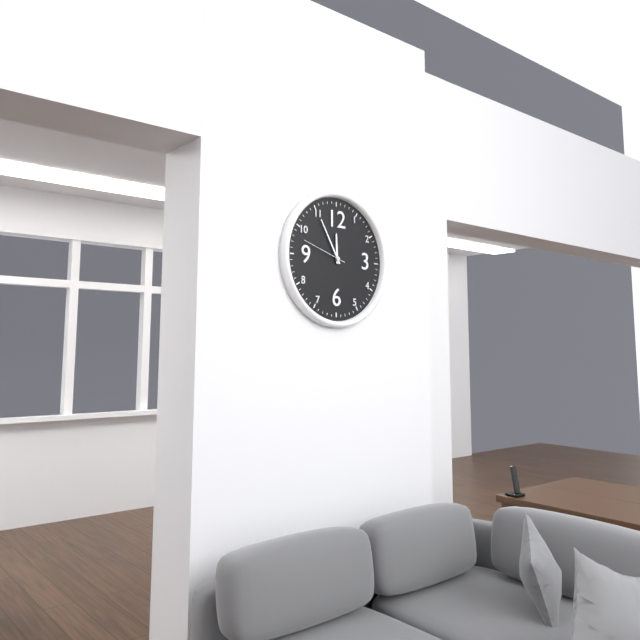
11:55
